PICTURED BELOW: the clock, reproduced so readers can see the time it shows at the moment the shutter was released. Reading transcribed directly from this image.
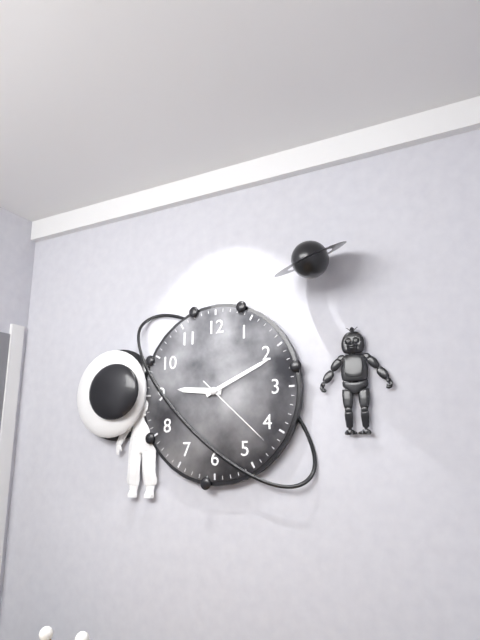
9:11:22
